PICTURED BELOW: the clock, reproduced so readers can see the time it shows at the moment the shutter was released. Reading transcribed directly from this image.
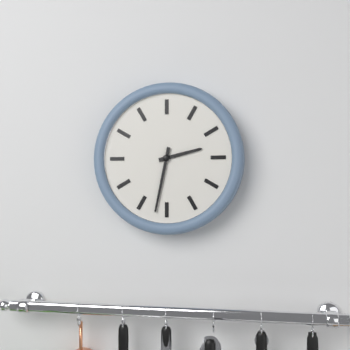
2:32
